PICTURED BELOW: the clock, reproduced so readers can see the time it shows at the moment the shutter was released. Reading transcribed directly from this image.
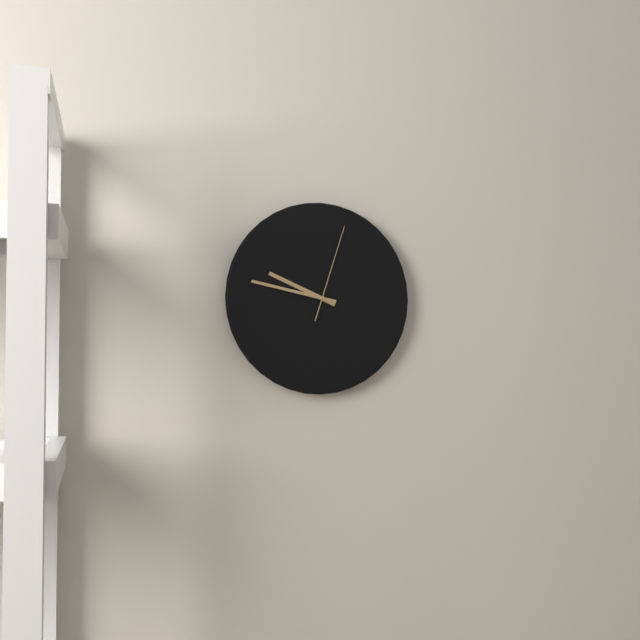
9:47:03
